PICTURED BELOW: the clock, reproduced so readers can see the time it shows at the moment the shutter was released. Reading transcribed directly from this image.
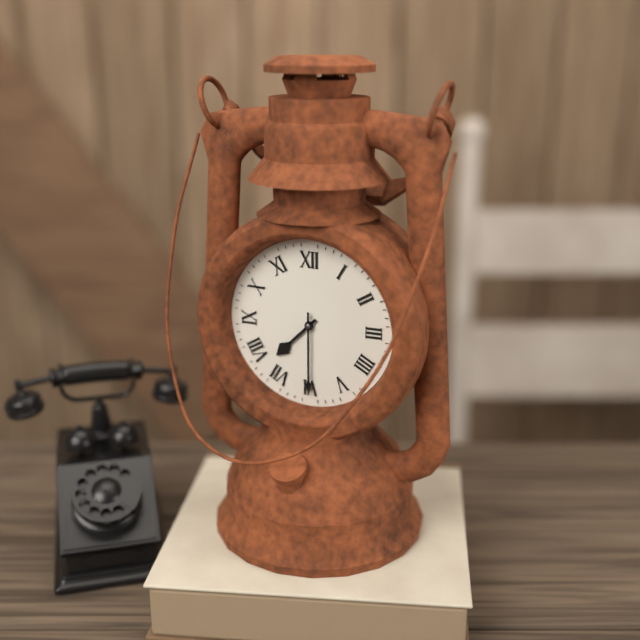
7:30
